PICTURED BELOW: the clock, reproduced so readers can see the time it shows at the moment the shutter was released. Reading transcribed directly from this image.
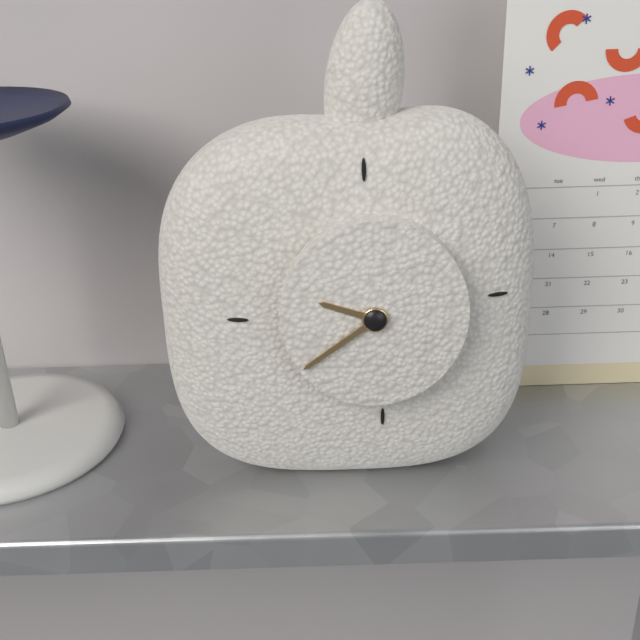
9:39
